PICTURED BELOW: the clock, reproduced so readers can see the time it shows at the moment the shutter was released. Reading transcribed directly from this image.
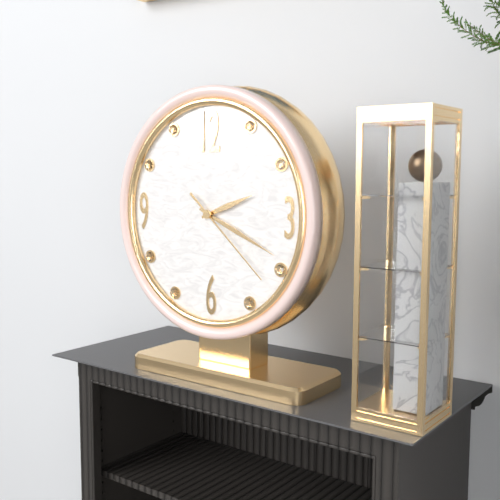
2:19:22
